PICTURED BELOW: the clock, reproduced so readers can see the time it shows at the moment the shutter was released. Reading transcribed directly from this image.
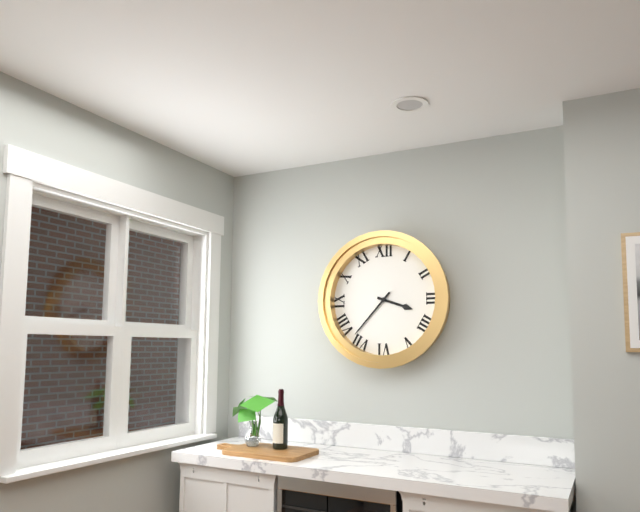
3:37
